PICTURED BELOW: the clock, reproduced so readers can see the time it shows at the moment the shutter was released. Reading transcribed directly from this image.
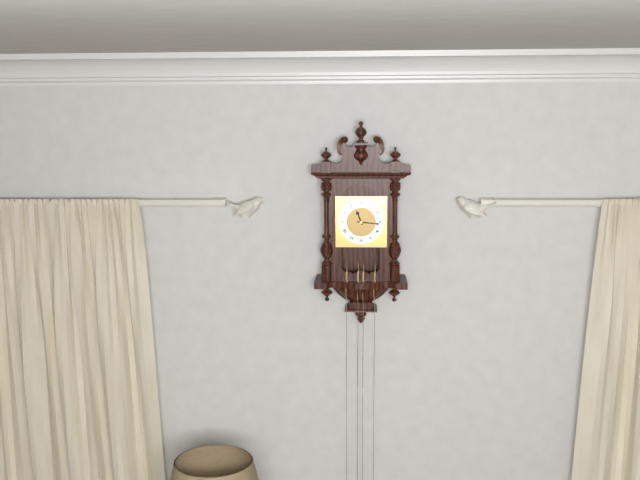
11:16
